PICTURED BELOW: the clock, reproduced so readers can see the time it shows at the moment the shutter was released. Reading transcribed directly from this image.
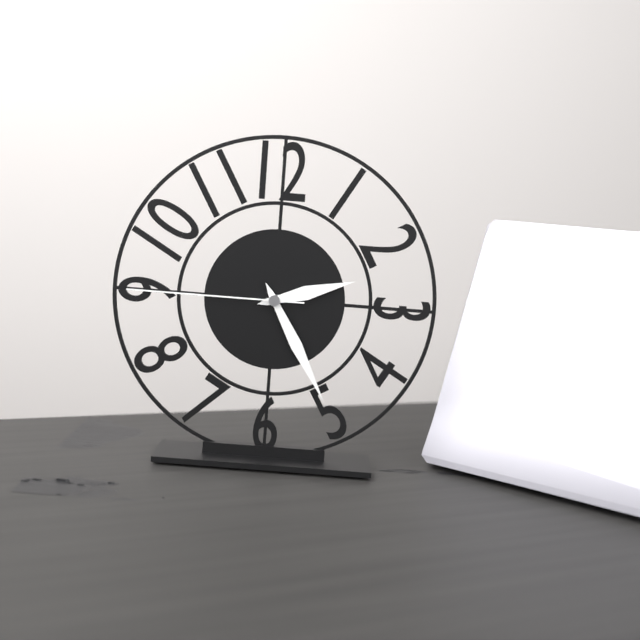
2:25:45
